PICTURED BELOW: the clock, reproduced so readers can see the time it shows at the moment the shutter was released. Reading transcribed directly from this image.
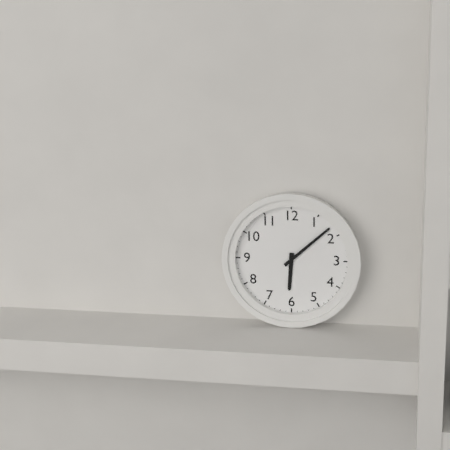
6:08
